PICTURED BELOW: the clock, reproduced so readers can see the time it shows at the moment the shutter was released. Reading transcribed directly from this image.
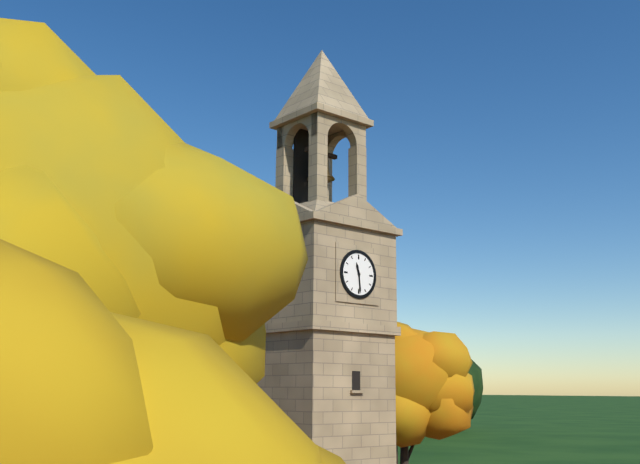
11:29
